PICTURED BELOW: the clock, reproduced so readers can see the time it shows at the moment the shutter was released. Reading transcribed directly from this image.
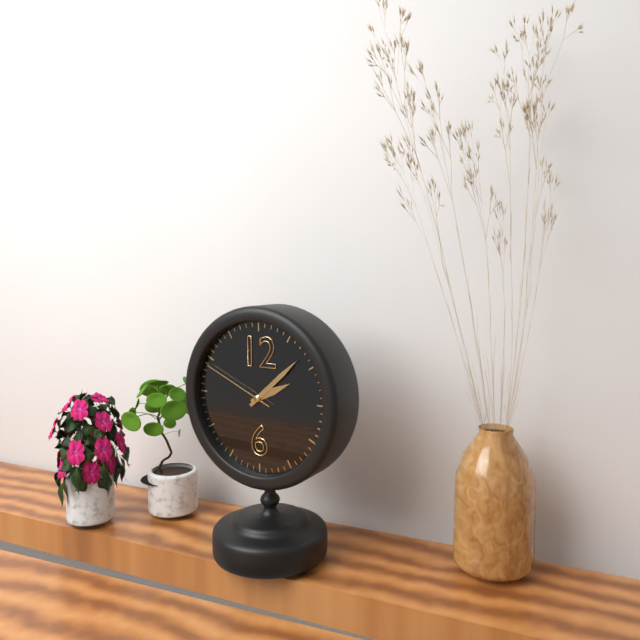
2:08:49
